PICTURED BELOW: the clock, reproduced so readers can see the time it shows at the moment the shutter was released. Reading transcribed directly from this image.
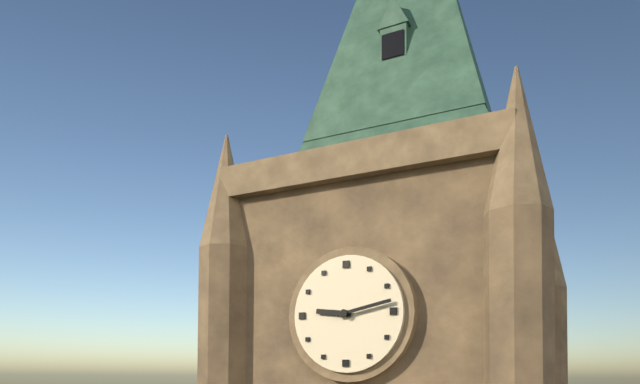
9:13
